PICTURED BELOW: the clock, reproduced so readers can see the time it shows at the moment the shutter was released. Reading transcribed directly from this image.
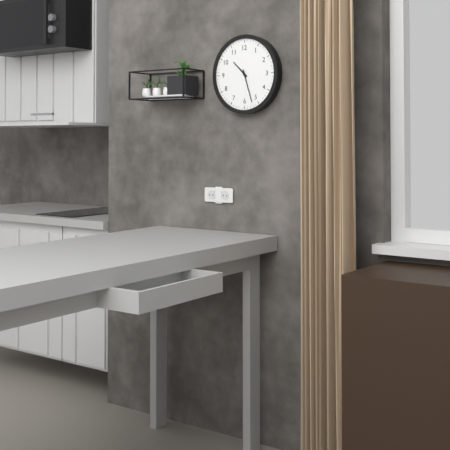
10:27
